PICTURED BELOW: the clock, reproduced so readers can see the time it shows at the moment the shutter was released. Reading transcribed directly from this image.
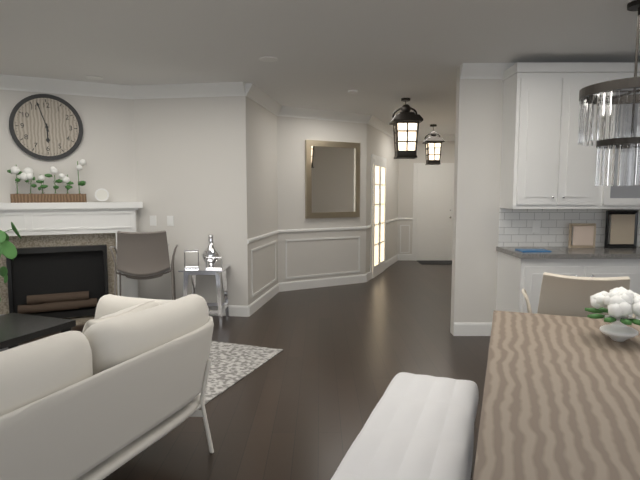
5:57
